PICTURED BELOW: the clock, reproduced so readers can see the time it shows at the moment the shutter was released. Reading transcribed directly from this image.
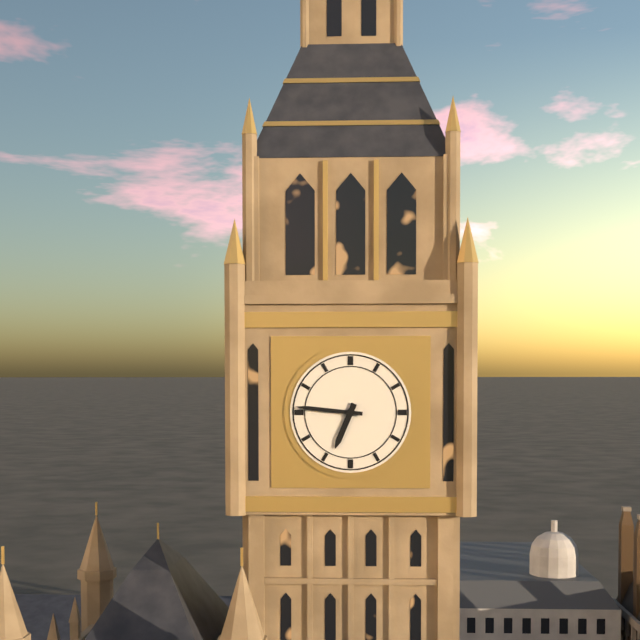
6:46
